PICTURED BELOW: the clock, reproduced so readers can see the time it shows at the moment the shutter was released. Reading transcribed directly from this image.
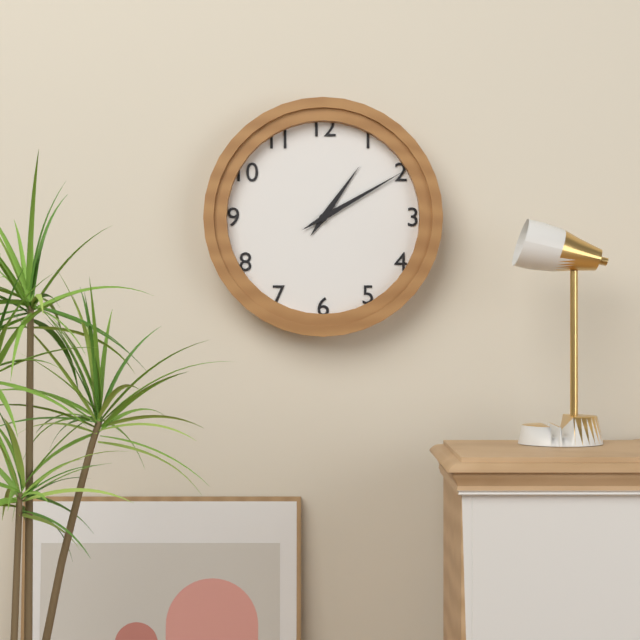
1:10
